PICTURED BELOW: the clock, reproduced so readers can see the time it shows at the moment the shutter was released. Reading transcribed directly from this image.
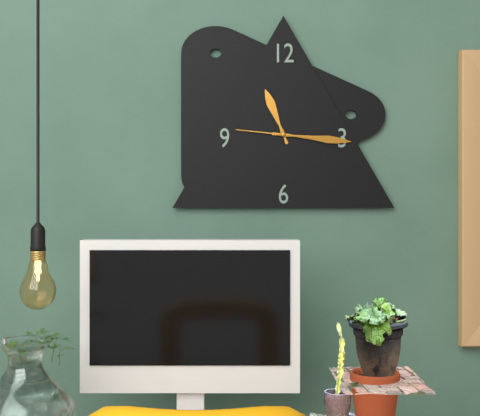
11:16:46
